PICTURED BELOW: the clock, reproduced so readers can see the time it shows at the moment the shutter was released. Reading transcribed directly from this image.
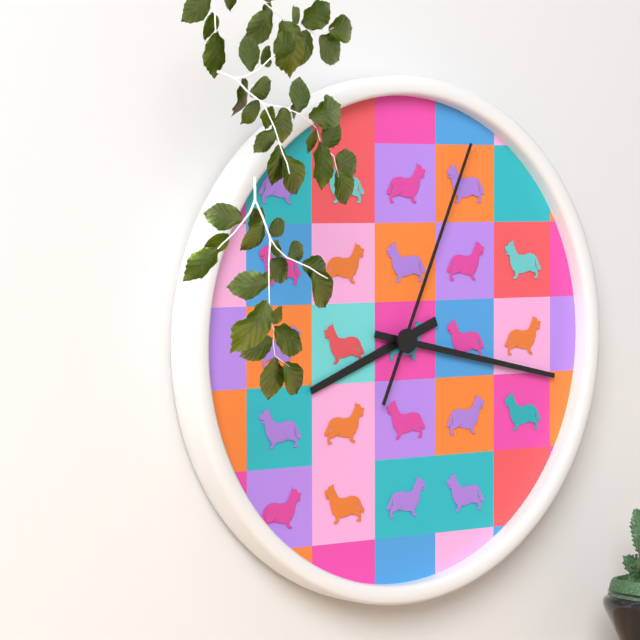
8:17:04
